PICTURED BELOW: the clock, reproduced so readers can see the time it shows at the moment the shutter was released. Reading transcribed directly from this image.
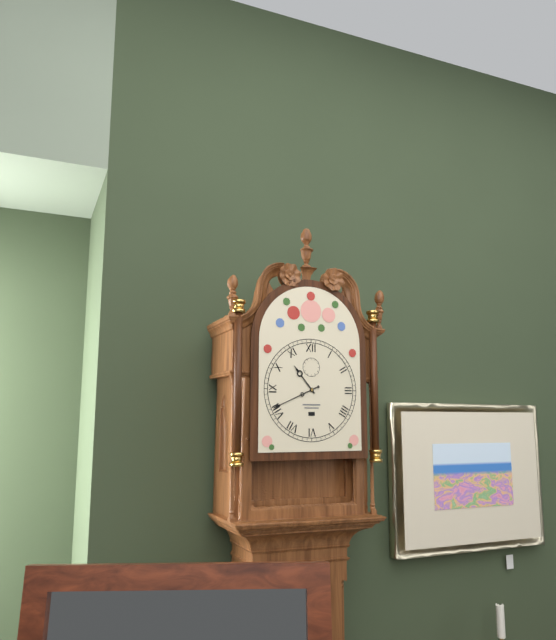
10:41
